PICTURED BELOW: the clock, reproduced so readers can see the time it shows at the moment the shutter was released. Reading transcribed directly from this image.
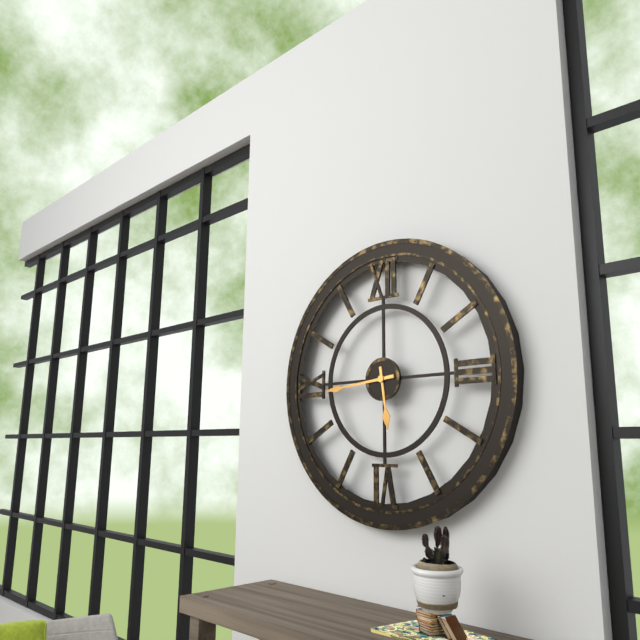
5:44
